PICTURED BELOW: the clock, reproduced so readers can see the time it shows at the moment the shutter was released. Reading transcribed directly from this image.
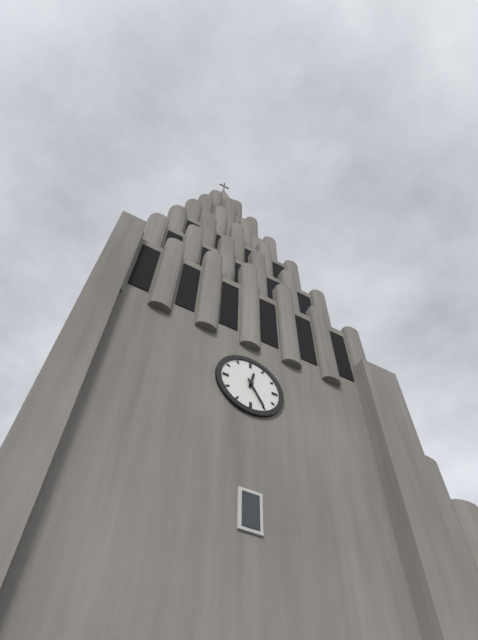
12:25
